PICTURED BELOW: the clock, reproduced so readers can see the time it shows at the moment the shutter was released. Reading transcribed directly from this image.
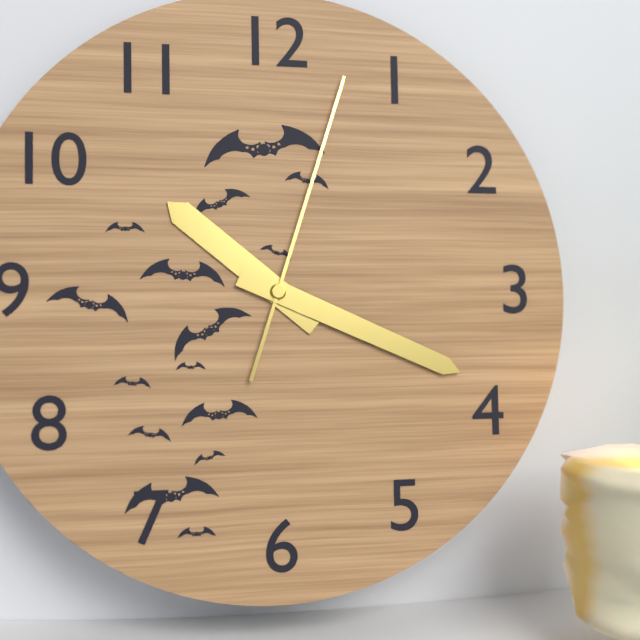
10:19:03
